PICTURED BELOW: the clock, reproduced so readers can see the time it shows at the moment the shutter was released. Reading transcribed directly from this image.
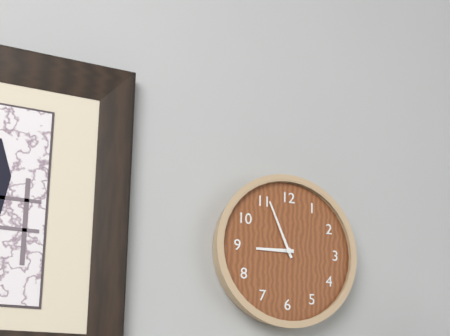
8:56
